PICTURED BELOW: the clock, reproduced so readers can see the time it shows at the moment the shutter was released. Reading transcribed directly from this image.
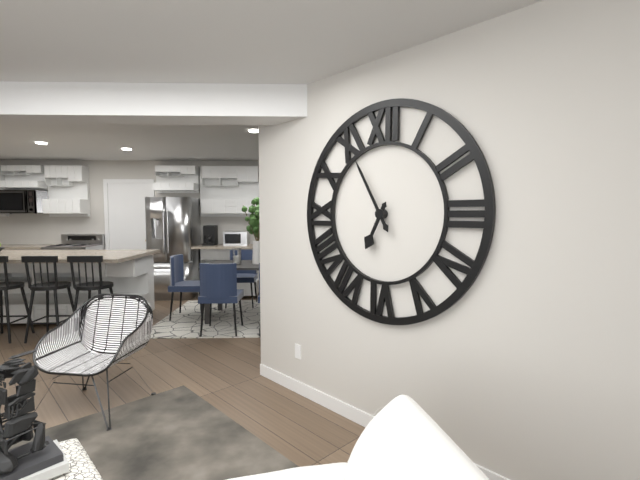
6:55
